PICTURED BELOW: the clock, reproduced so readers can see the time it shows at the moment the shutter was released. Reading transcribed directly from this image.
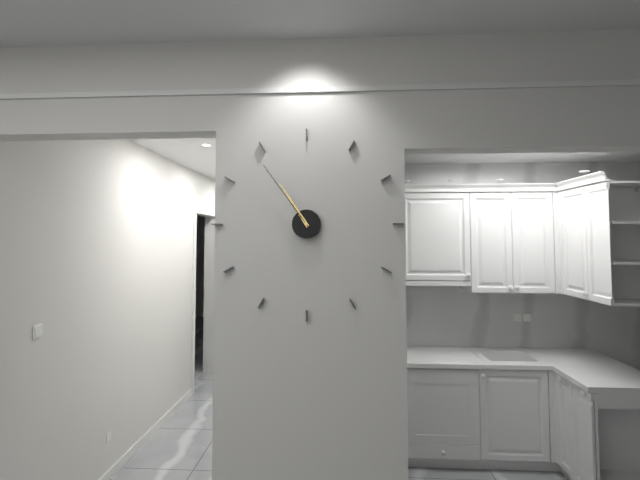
10:54
